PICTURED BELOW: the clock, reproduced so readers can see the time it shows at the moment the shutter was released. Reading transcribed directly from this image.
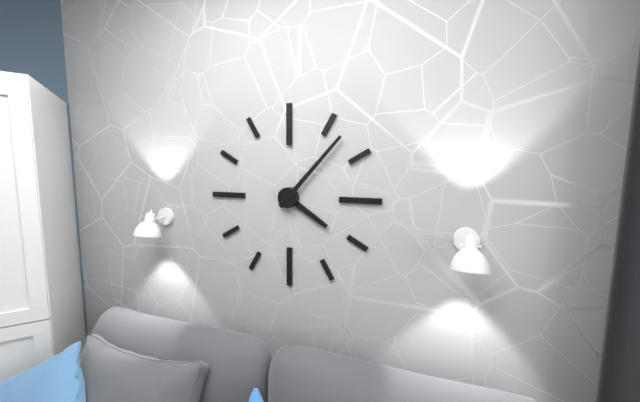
4:07
